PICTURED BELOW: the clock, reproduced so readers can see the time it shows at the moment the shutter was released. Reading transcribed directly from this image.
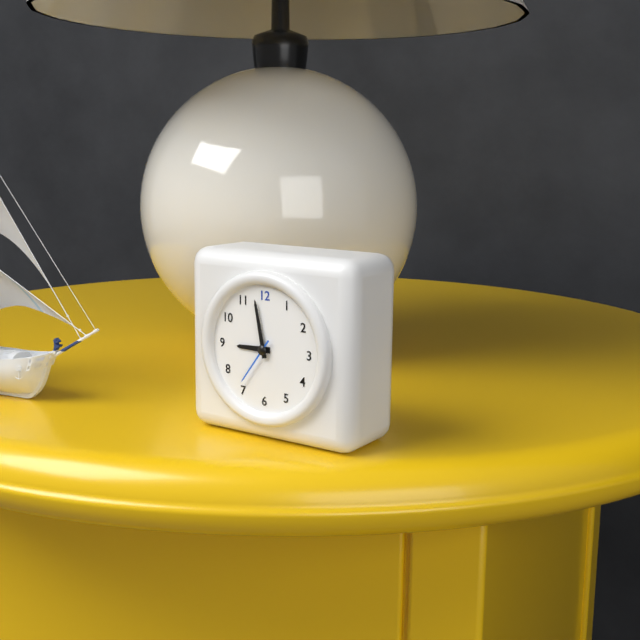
8:58
